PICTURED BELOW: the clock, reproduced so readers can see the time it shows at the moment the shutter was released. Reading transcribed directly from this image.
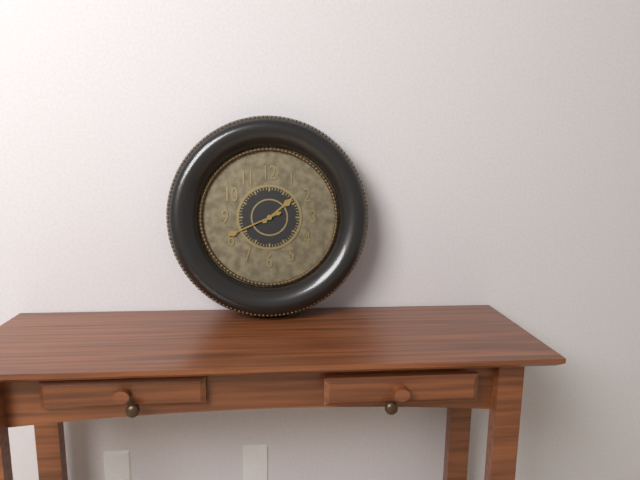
1:41
